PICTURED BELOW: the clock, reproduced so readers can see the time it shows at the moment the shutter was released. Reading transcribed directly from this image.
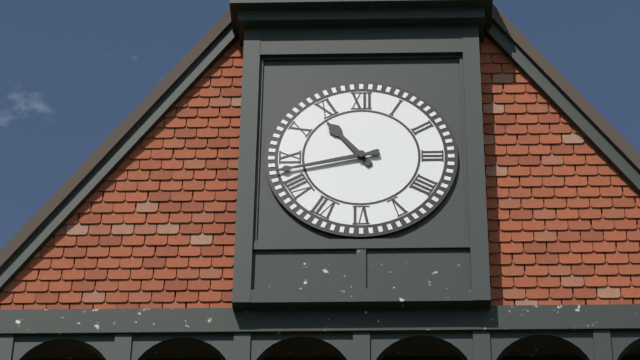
10:43
